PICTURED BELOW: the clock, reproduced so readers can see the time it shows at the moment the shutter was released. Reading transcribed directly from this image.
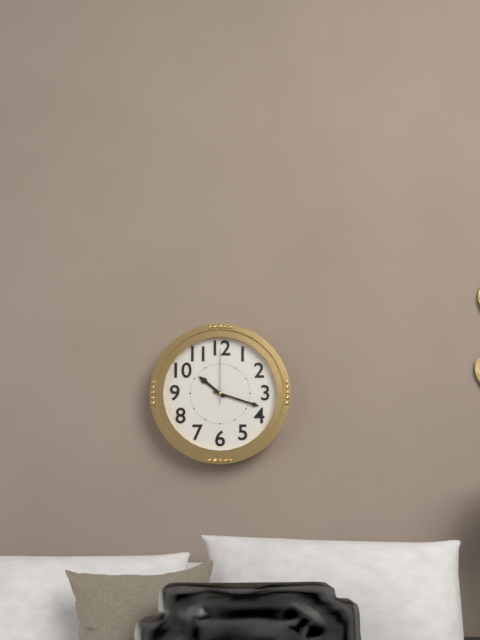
10:18:00
